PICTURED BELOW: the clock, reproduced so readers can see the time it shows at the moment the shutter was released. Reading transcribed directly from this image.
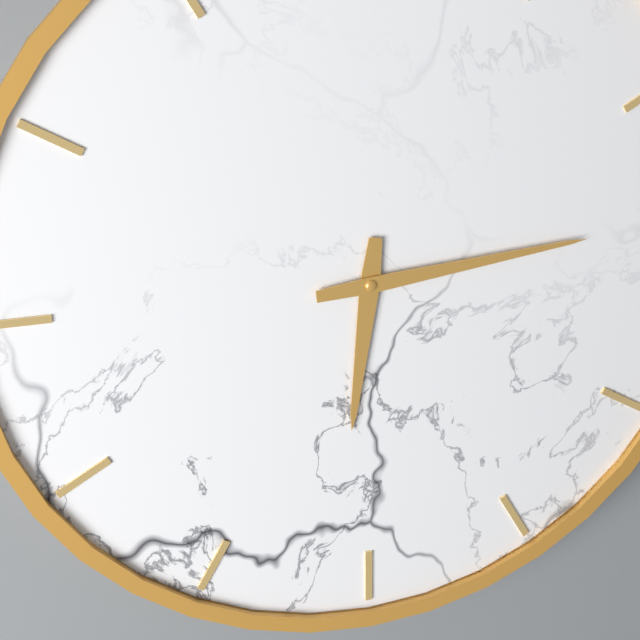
6:14
